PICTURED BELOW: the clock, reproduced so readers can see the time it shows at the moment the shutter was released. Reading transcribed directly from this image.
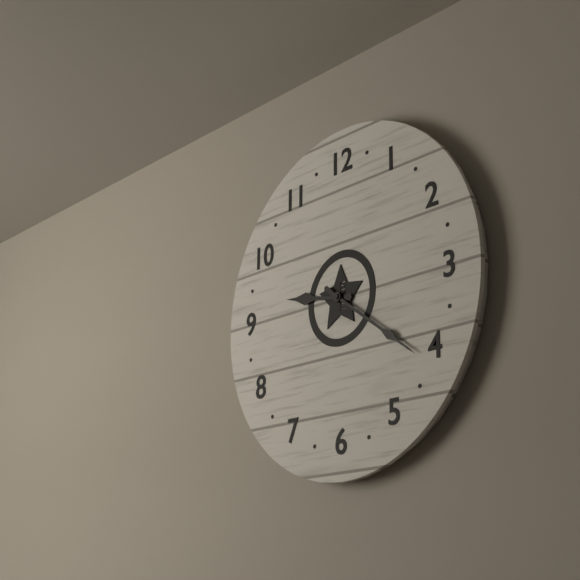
9:21
